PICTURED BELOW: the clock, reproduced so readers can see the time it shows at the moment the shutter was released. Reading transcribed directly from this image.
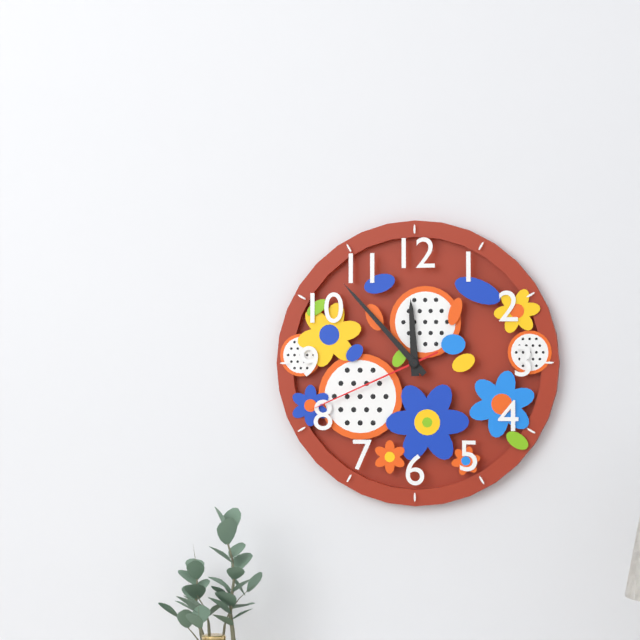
11:53:41
